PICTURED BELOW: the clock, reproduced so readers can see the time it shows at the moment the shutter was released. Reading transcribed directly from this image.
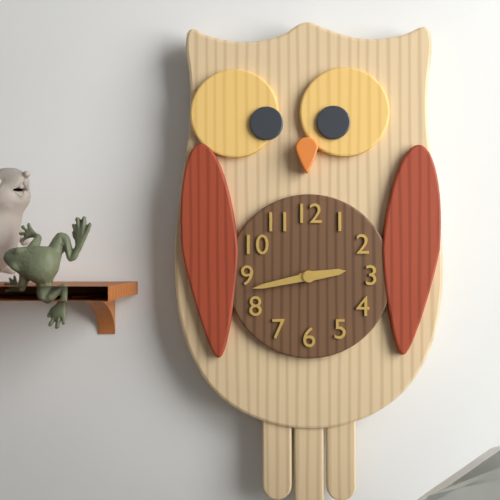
2:43
